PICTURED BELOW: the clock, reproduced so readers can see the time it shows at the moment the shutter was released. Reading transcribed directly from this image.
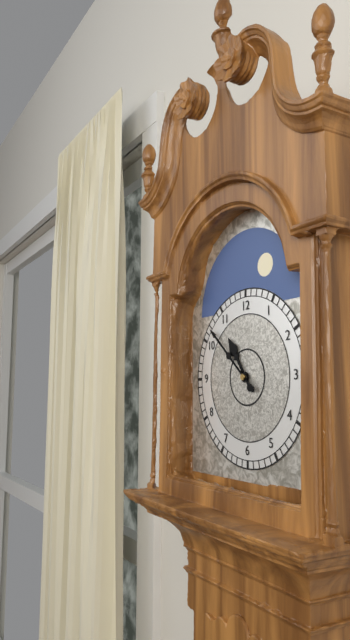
10:52
